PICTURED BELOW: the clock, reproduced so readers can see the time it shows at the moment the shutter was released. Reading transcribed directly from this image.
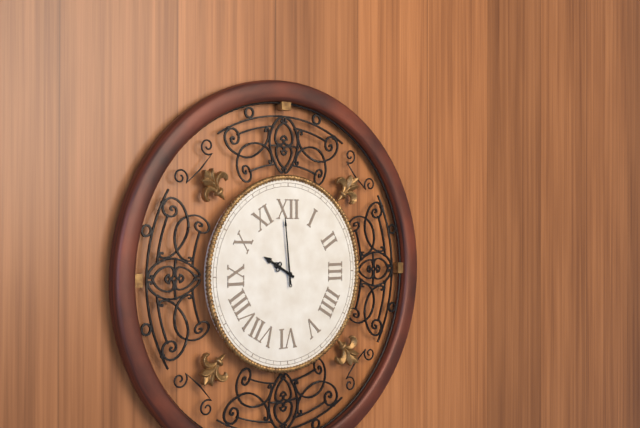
9:59
